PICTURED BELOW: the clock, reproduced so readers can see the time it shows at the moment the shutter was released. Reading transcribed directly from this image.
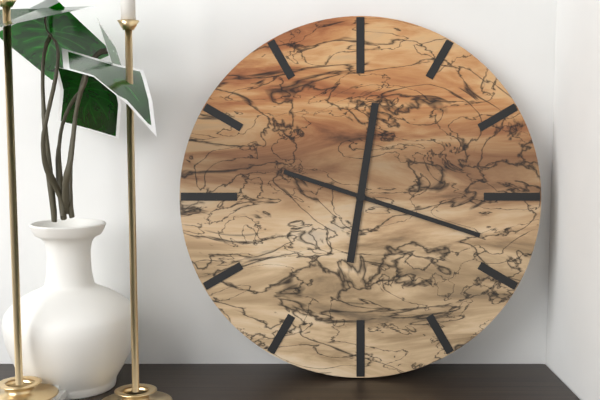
12:18
